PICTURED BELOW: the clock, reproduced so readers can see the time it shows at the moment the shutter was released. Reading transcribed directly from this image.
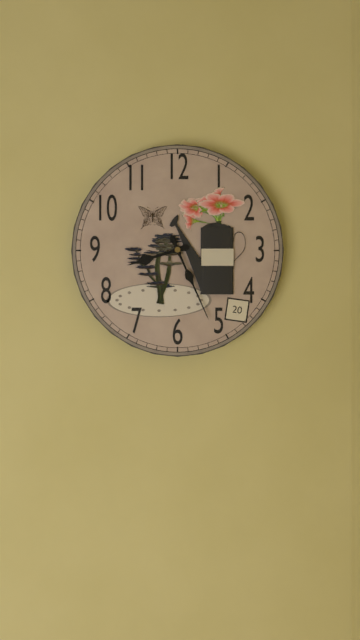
8:26
